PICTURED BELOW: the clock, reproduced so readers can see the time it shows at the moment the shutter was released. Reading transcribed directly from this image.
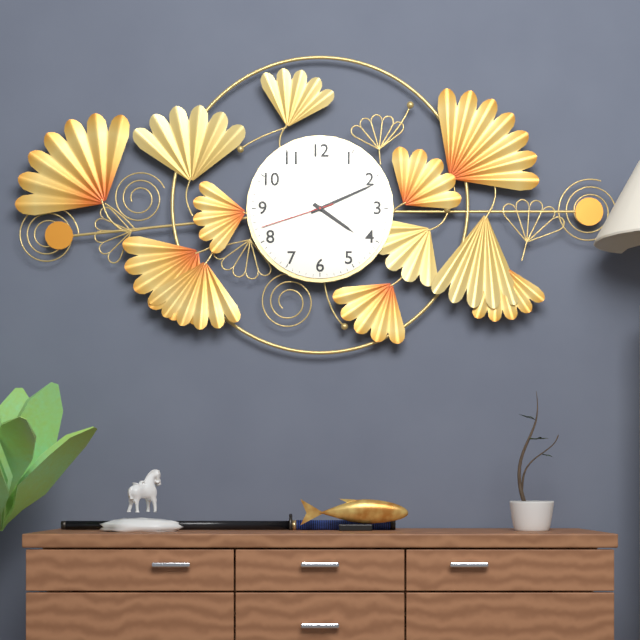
4:11:42
